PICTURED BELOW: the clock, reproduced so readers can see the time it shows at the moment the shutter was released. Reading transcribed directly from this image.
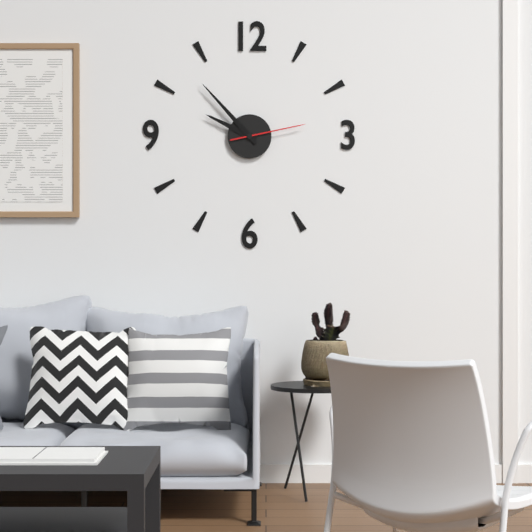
9:53:13
